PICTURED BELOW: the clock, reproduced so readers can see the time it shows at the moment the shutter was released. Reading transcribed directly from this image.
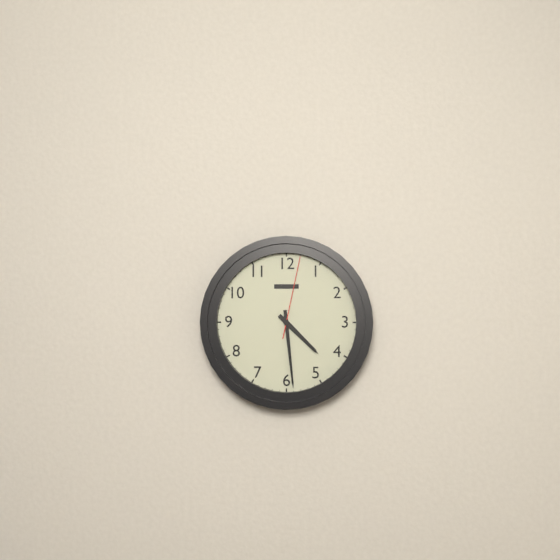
4:29:02
